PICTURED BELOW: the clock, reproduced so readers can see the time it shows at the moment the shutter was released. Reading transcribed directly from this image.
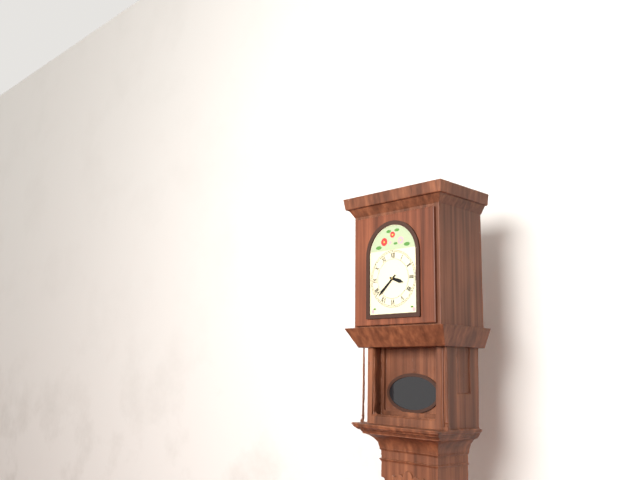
3:38
